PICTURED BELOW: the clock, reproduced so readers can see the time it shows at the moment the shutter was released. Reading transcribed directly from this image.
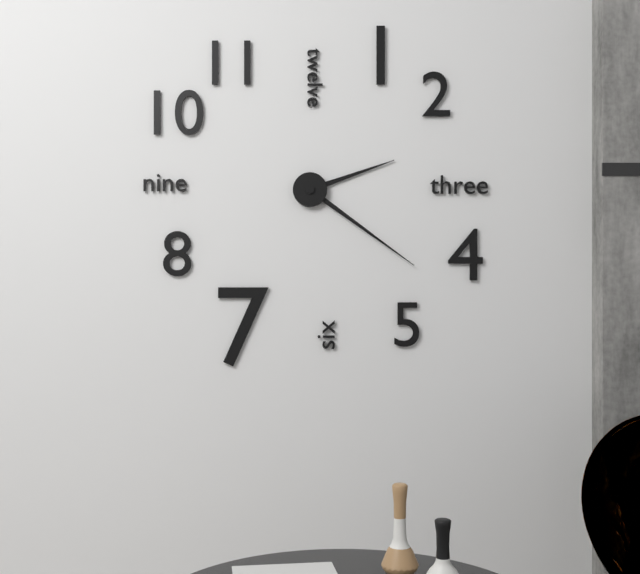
2:21
